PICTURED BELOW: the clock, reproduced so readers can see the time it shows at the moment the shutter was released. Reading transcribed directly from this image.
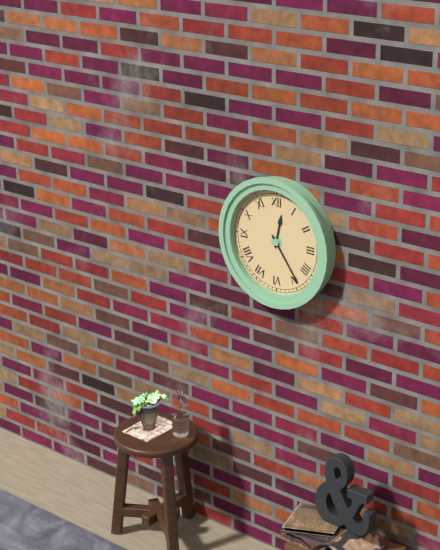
12:24
